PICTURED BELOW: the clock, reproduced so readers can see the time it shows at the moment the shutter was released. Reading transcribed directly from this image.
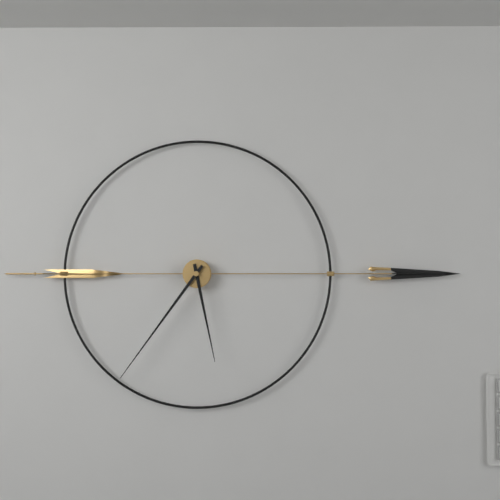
5:36
